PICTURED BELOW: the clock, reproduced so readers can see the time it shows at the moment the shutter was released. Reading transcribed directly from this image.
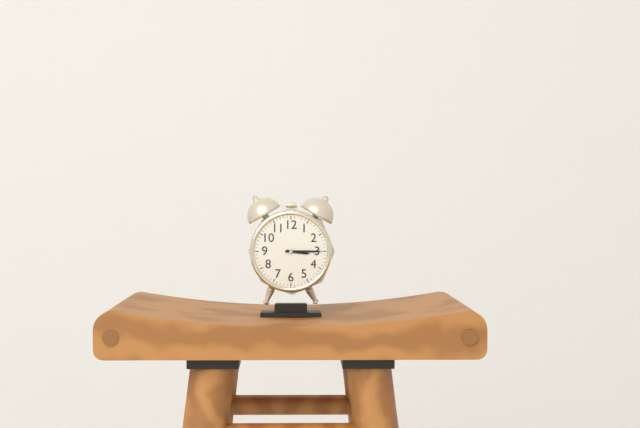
3:15
